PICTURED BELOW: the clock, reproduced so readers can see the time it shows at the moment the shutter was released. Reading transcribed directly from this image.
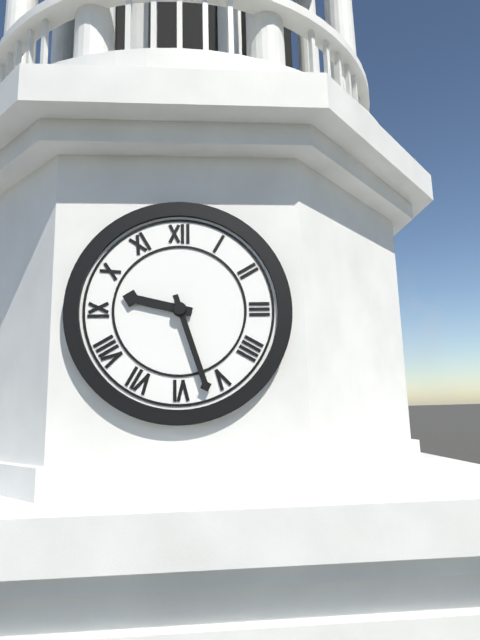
9:27
